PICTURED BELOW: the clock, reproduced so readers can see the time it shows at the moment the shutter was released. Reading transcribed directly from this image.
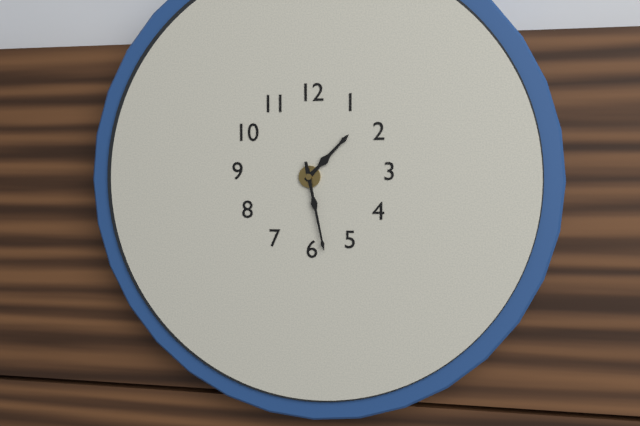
1:28
